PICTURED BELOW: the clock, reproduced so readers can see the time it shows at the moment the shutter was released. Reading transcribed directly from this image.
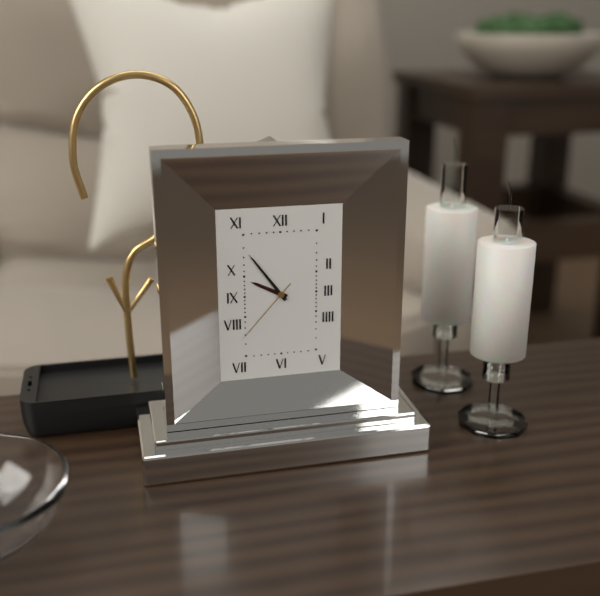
9:54:37
